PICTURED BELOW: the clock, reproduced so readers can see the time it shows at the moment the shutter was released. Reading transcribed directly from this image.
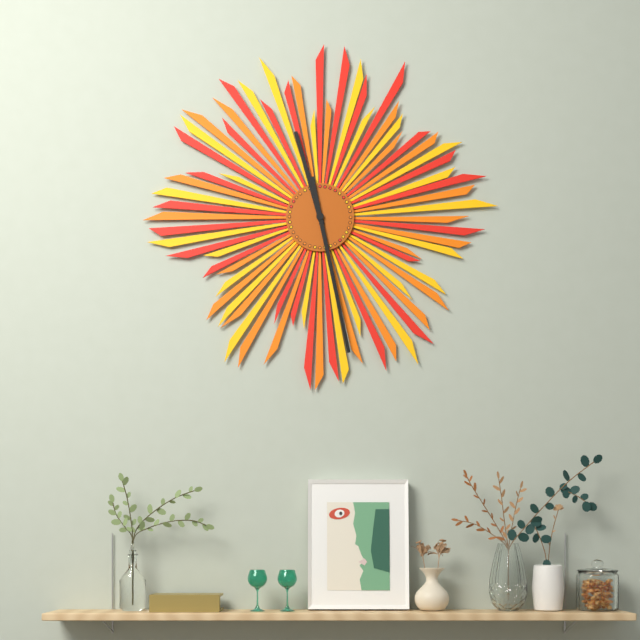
11:28
